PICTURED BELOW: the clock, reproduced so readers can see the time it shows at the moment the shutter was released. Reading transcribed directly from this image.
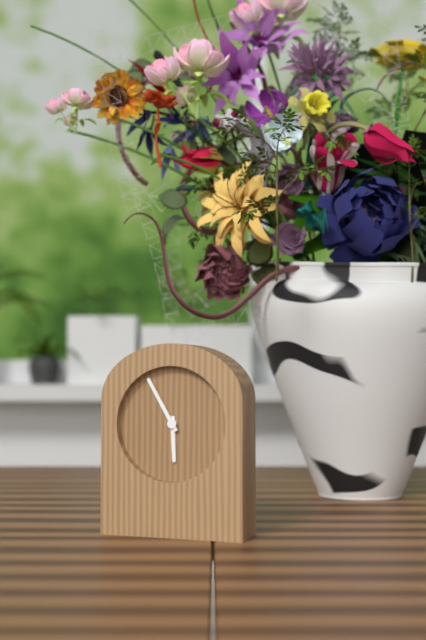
5:55
